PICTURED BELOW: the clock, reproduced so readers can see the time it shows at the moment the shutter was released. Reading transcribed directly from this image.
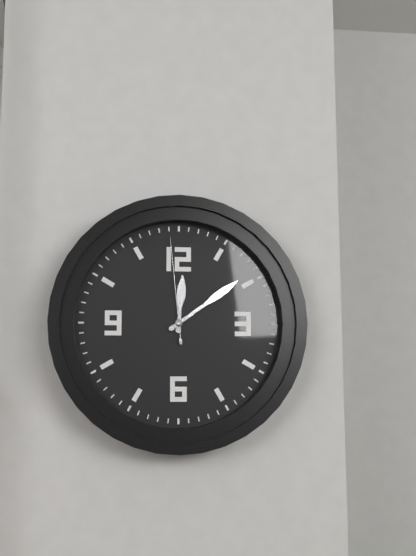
12:09:59
